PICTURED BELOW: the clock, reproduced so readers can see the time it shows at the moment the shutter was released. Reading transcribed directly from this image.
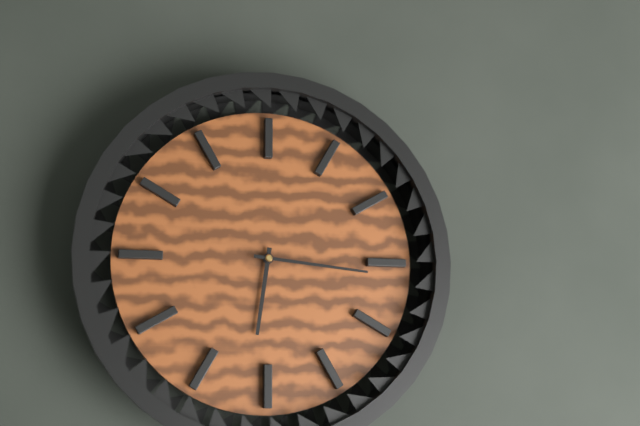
6:16
